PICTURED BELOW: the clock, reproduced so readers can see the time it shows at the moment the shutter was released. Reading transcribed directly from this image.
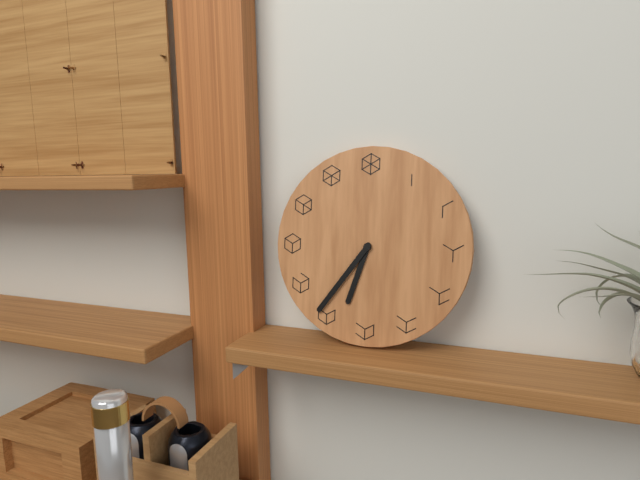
6:36
